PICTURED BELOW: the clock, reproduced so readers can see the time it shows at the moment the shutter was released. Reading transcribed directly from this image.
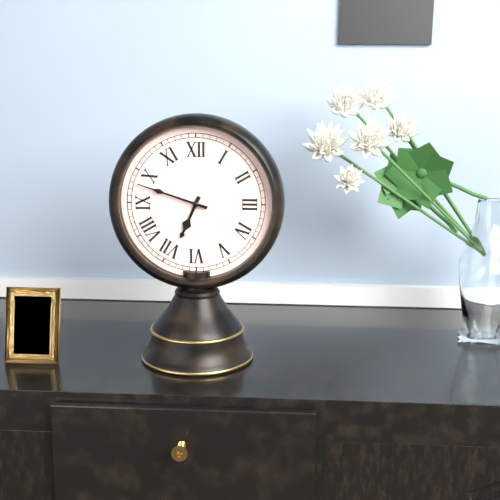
6:48
